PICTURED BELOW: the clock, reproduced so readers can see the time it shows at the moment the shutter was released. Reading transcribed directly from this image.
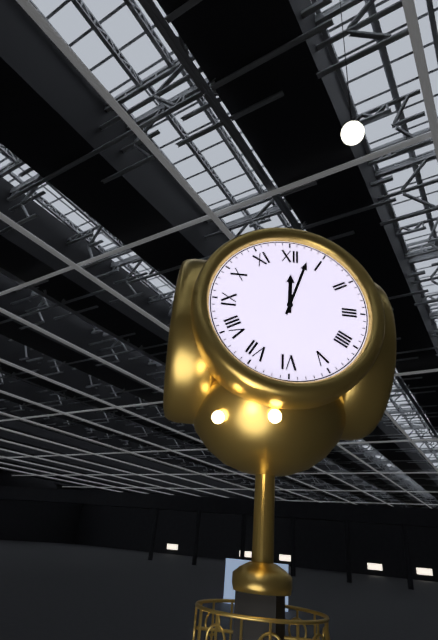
12:03
